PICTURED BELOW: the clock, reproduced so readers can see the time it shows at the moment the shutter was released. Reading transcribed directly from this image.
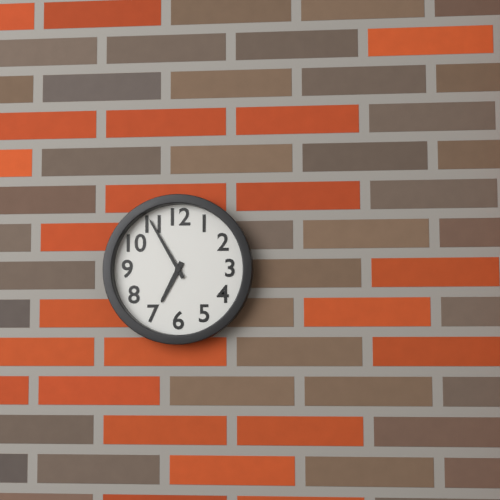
6:55
